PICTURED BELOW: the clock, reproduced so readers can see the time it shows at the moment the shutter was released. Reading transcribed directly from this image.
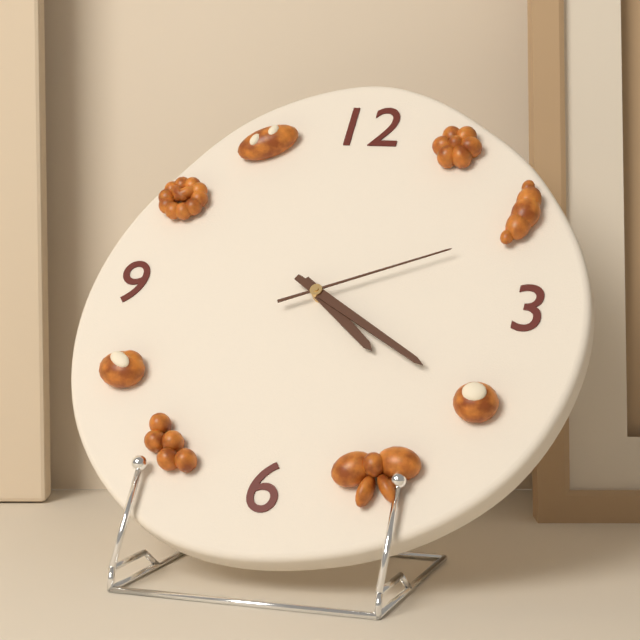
4:20:11
